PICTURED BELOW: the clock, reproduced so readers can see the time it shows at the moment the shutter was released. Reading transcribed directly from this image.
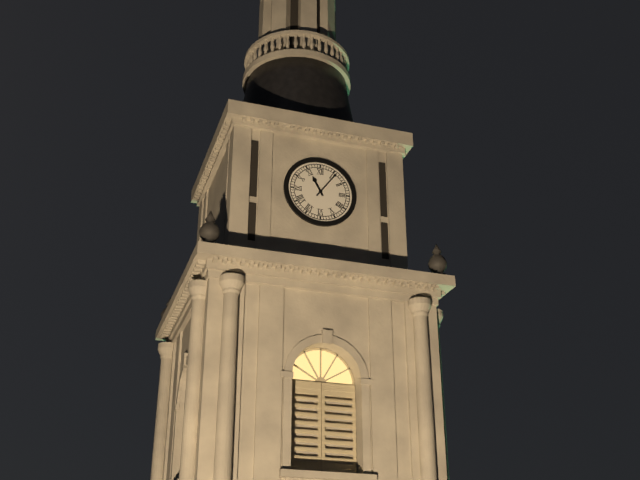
11:06
